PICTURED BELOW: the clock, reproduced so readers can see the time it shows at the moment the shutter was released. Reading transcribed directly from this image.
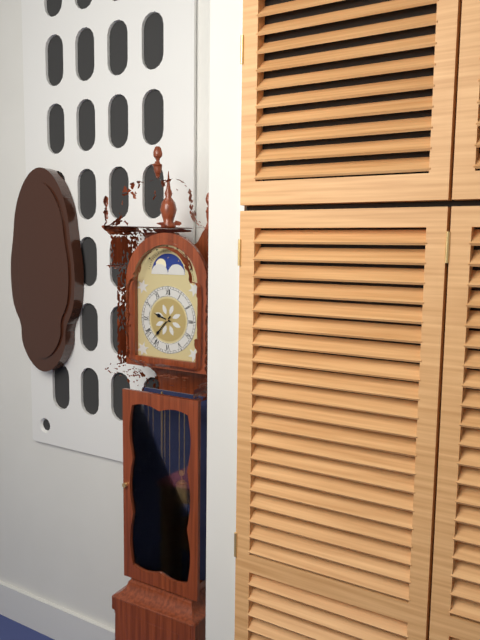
9:37
